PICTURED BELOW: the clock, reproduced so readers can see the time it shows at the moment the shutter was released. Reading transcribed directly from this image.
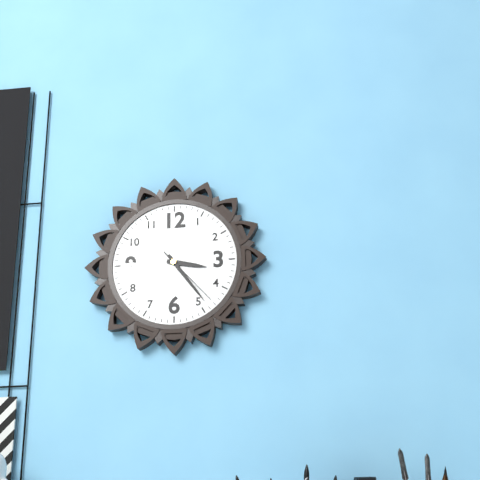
3:24:23
